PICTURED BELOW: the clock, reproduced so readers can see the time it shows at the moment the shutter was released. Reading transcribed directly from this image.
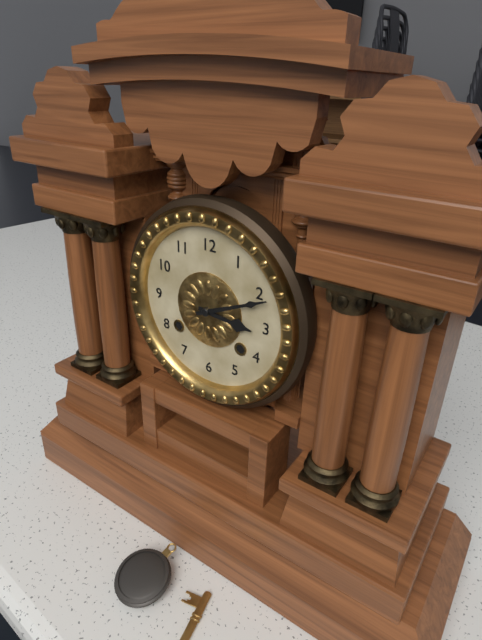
3:11
